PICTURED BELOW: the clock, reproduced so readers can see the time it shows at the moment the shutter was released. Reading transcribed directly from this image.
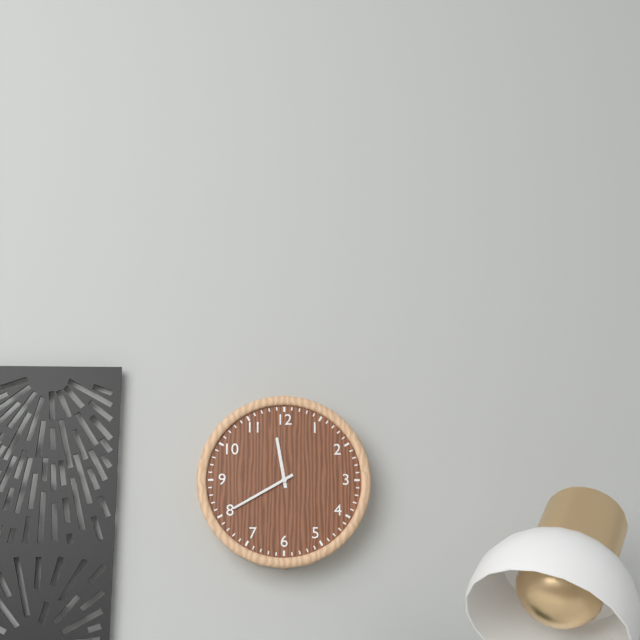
11:40
